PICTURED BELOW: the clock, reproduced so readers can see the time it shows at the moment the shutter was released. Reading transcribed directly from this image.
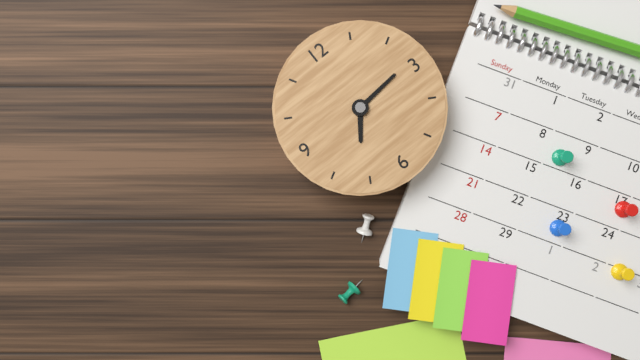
7:14
